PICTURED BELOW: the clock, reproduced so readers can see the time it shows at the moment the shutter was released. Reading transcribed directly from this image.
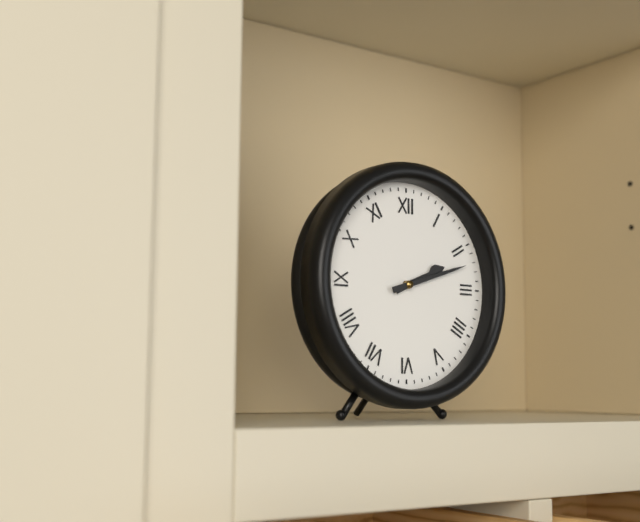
2:12
